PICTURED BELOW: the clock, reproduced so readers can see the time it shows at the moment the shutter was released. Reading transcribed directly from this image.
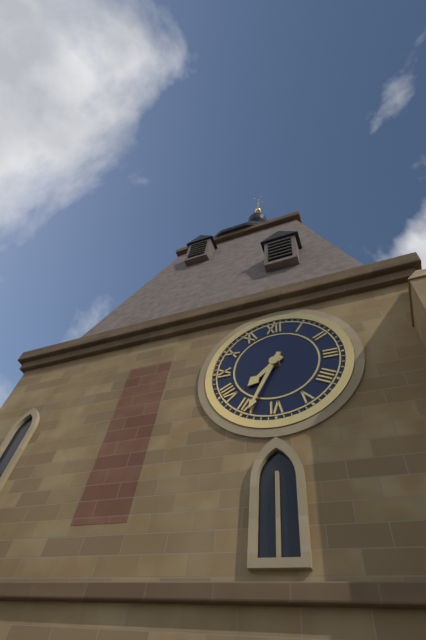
7:34
